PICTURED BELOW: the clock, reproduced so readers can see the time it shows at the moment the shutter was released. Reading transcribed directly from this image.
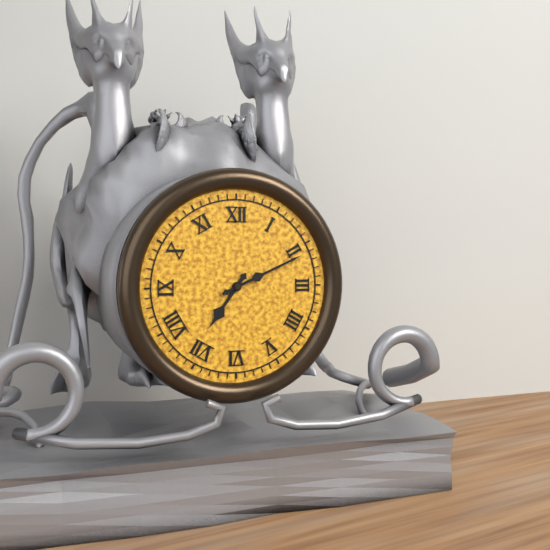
7:11
